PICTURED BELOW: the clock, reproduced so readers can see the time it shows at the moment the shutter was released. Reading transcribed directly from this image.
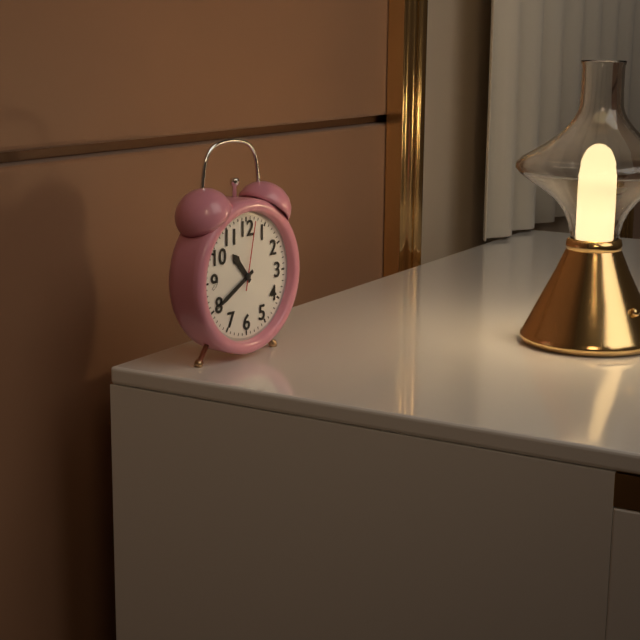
10:40:02
